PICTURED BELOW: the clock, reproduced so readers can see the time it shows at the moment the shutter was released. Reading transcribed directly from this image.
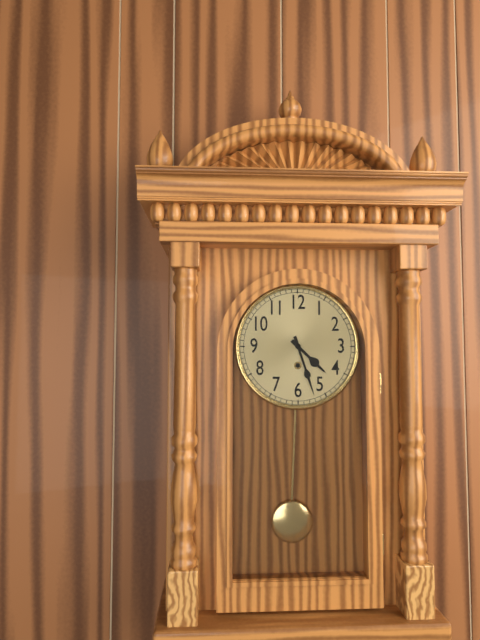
4:27
